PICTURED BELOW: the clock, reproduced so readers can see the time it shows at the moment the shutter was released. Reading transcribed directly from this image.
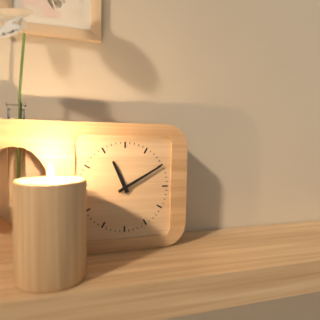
11:10
